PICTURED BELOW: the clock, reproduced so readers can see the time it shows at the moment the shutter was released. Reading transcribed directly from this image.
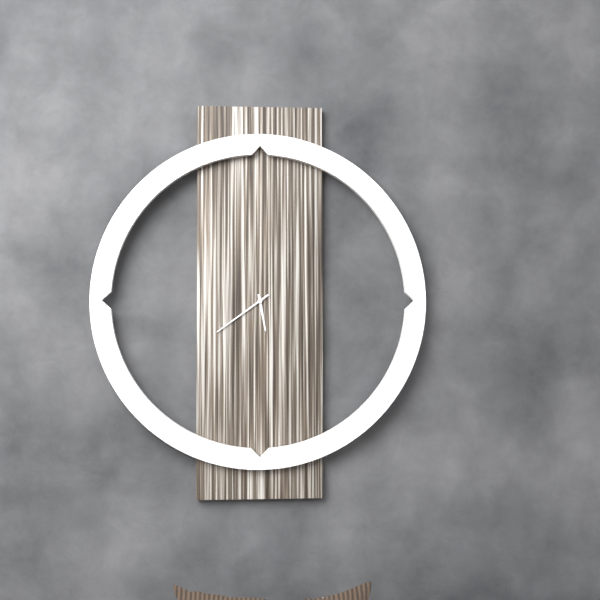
5:39
